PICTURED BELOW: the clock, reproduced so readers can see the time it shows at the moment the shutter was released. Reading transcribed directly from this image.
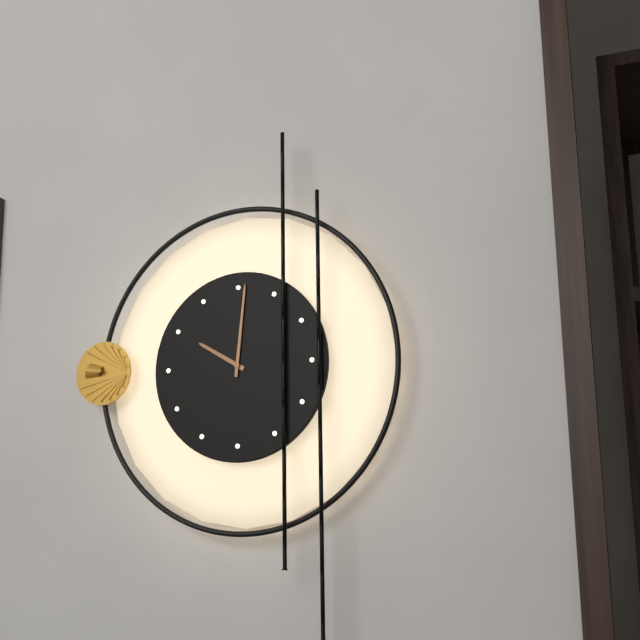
10:01
